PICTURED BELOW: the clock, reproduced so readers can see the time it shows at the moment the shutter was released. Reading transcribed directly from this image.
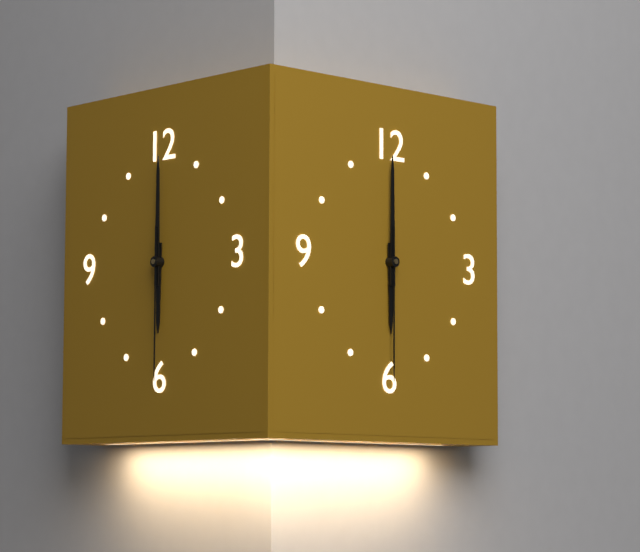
6:00:30
